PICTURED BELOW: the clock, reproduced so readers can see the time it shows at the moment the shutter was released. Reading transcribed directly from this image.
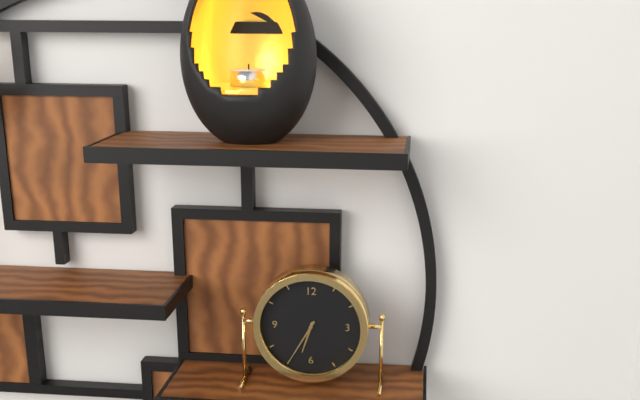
6:35
